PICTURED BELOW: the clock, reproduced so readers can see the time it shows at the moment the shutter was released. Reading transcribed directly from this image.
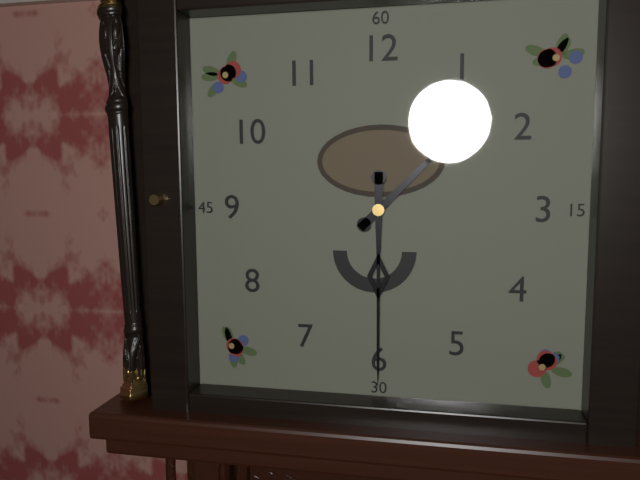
1:30
